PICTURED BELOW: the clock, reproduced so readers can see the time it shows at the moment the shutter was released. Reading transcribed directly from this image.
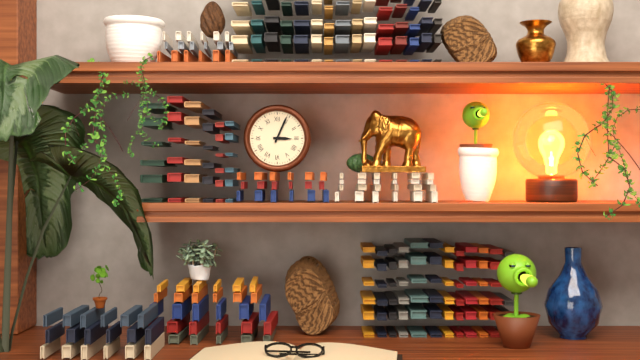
3:04
